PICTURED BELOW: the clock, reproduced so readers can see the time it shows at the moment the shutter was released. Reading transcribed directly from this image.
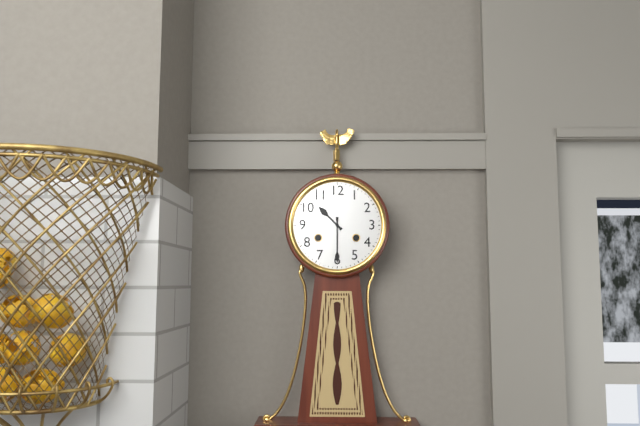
10:30
